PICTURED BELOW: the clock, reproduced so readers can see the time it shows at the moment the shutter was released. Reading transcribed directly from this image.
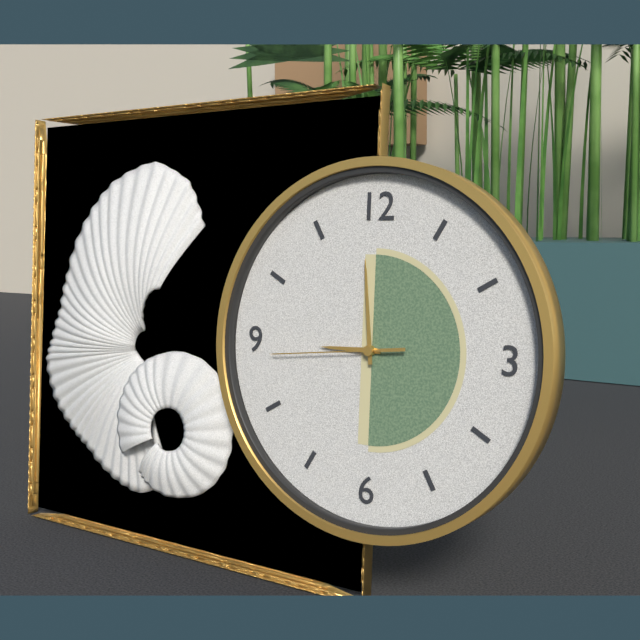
8:59:44
